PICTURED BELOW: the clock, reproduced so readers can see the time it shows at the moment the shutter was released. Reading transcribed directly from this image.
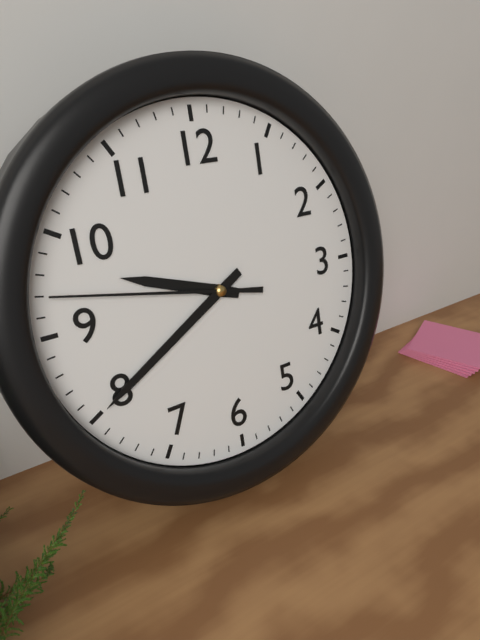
9:40:47
